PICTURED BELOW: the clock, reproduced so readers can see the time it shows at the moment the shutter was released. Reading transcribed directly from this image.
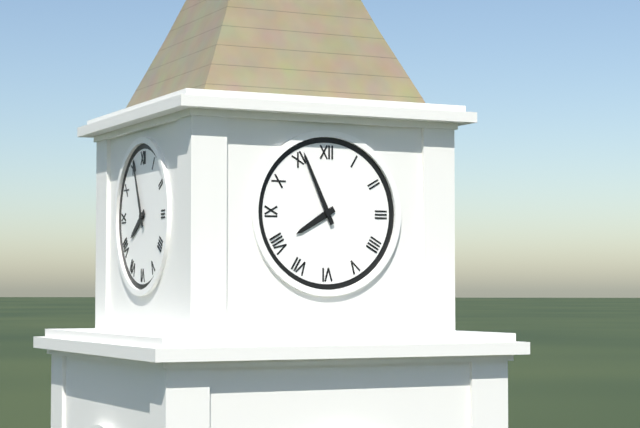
7:56
